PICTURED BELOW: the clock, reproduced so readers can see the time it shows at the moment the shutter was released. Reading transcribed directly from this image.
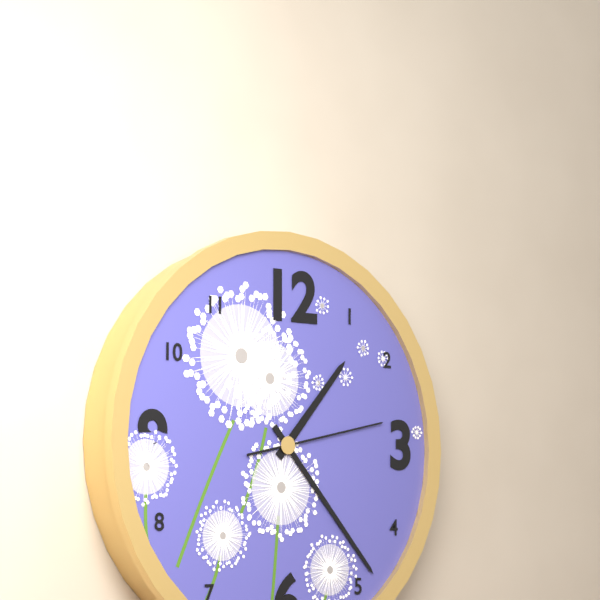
1:23:13
